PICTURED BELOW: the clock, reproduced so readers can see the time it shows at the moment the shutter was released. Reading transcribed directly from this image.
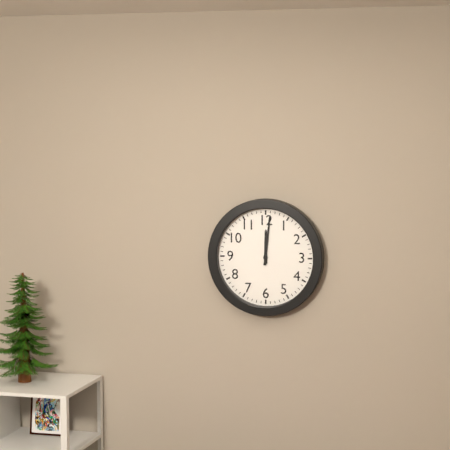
12:01
